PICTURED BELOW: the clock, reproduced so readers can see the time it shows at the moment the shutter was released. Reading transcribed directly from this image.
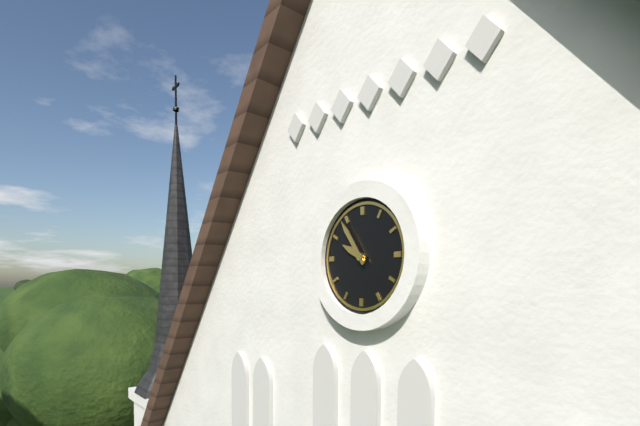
9:54
